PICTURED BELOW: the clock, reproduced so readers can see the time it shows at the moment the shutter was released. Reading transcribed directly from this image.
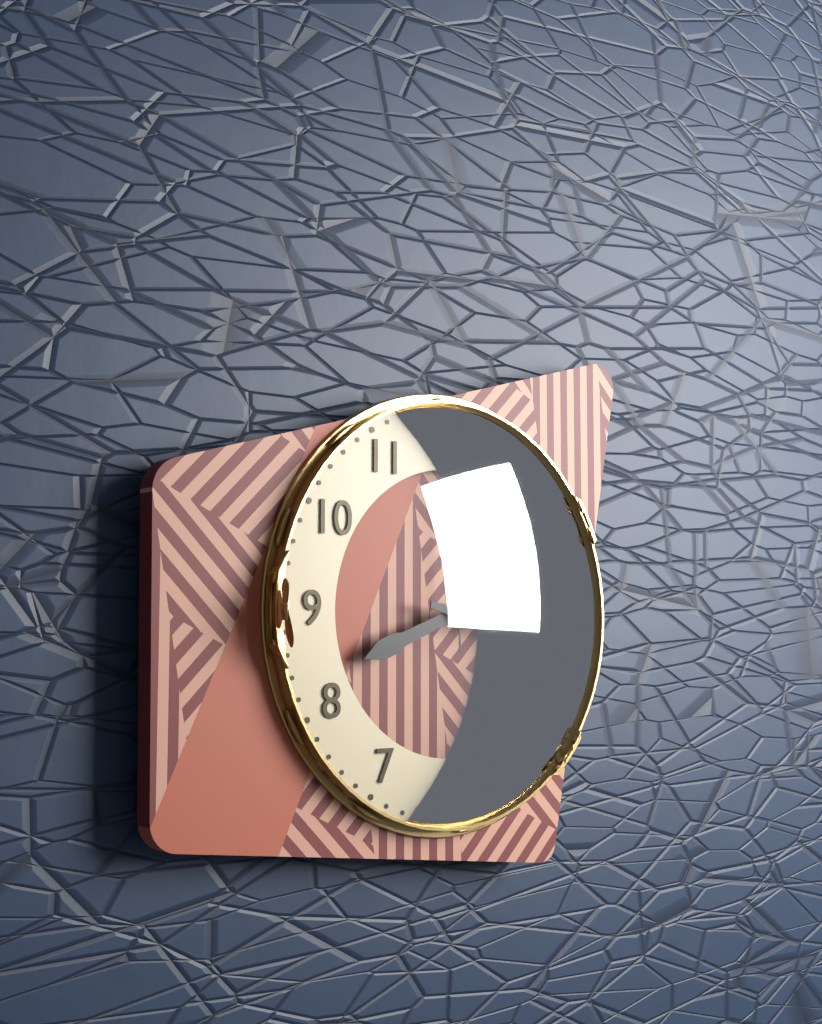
8:17:00
